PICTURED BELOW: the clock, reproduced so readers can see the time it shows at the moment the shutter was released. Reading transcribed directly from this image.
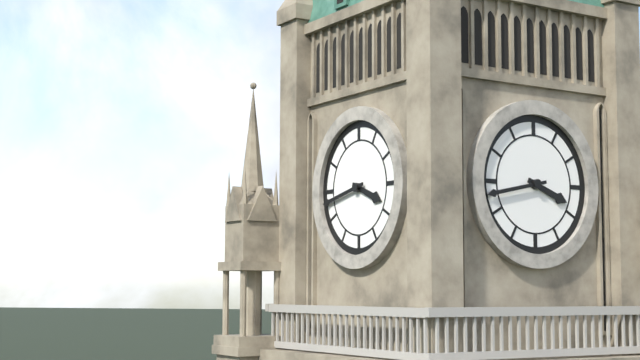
3:43
